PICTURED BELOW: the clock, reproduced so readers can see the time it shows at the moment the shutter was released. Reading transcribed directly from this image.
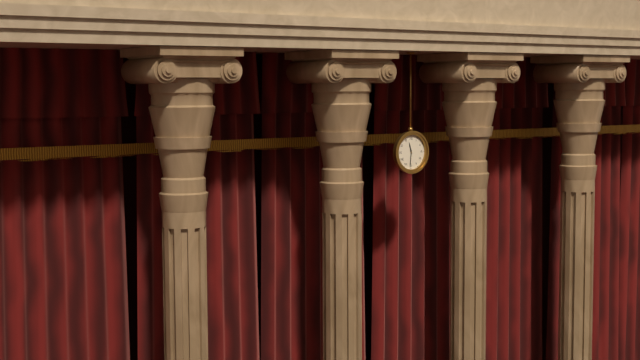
11:31
